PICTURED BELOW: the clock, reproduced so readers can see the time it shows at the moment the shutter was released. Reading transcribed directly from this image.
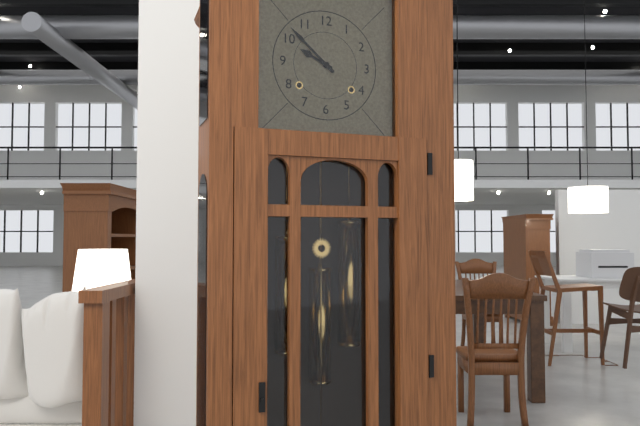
9:52
